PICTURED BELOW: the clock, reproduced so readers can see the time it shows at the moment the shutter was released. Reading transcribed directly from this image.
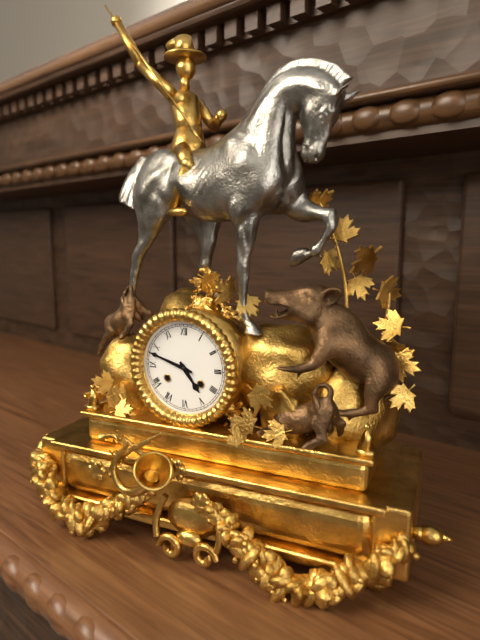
4:48
